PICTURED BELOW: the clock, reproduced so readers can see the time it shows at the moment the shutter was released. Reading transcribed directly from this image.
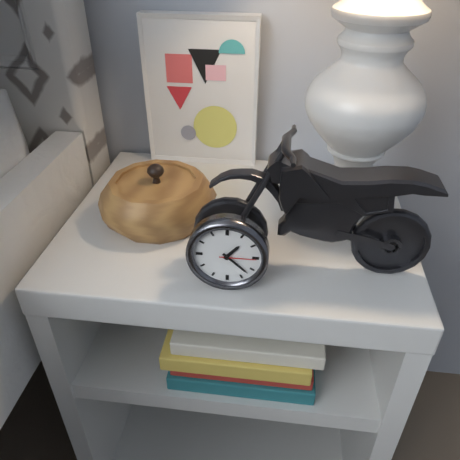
1:22
